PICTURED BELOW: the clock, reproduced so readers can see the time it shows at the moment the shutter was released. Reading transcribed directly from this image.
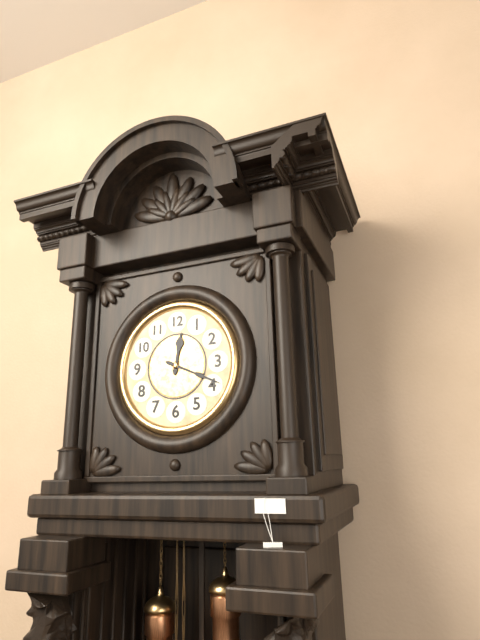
12:19
